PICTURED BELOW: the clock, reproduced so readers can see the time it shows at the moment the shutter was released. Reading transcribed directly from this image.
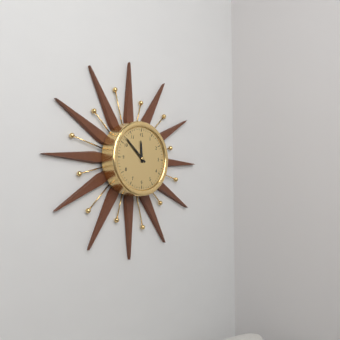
11:52
